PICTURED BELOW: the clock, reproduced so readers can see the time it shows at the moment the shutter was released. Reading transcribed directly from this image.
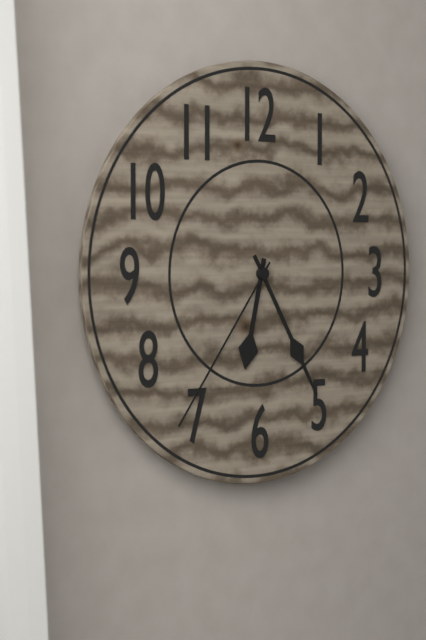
6:25:36
